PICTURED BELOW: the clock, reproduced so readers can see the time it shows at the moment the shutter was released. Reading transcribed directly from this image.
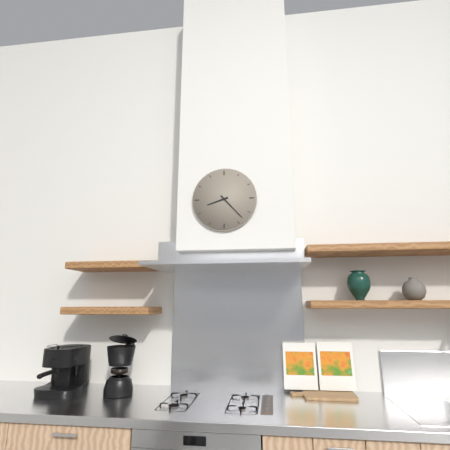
8:23
